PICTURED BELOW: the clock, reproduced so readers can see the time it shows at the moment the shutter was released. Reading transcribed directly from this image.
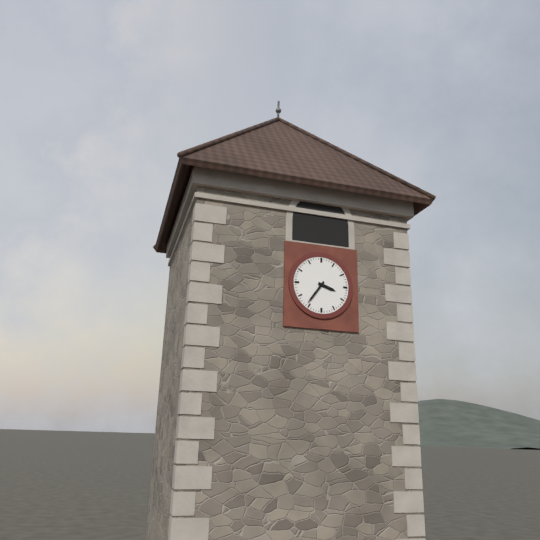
3:36
